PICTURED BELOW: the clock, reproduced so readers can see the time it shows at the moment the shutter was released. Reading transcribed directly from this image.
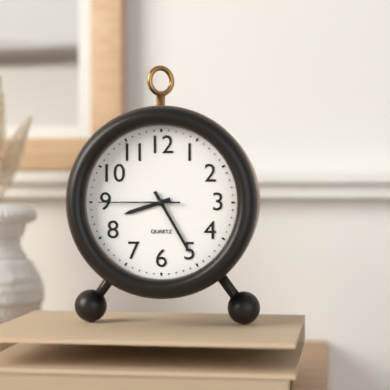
8:25:45
